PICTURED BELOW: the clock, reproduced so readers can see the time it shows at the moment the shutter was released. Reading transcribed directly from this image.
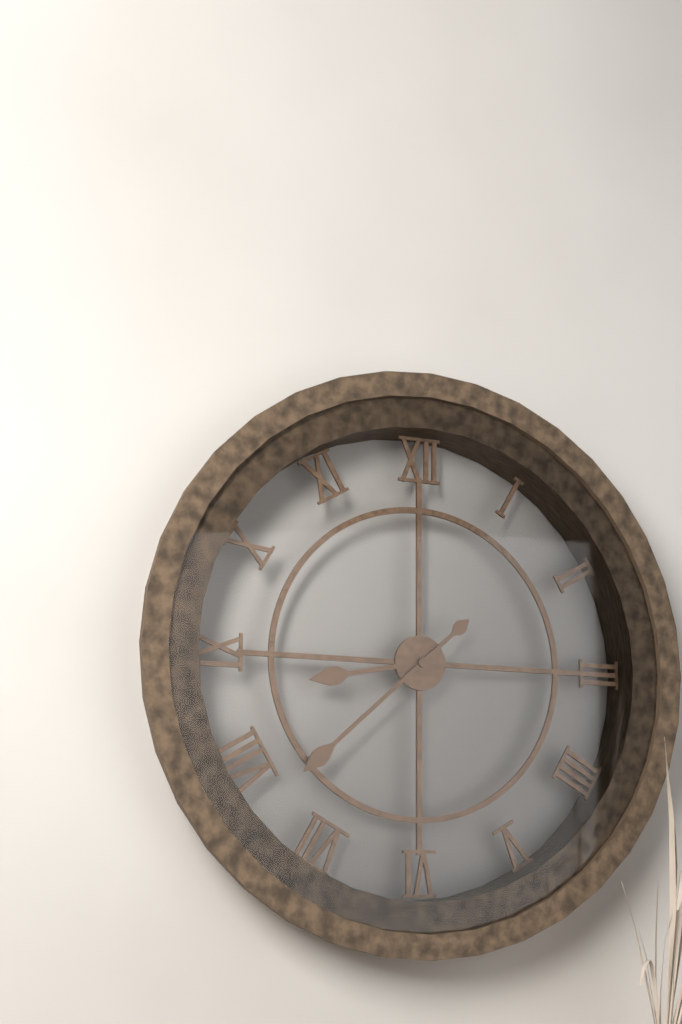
8:38
